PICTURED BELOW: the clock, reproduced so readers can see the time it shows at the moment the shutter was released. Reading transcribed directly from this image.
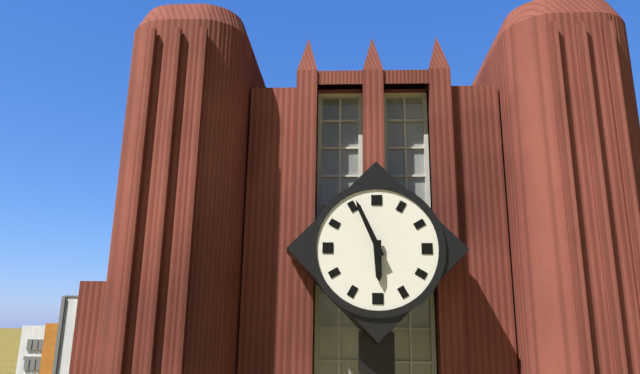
5:56
